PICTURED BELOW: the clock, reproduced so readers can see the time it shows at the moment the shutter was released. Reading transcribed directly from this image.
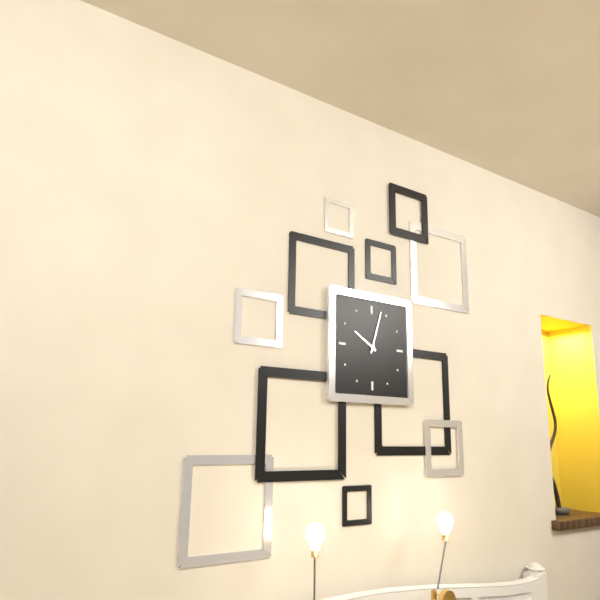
10:03
